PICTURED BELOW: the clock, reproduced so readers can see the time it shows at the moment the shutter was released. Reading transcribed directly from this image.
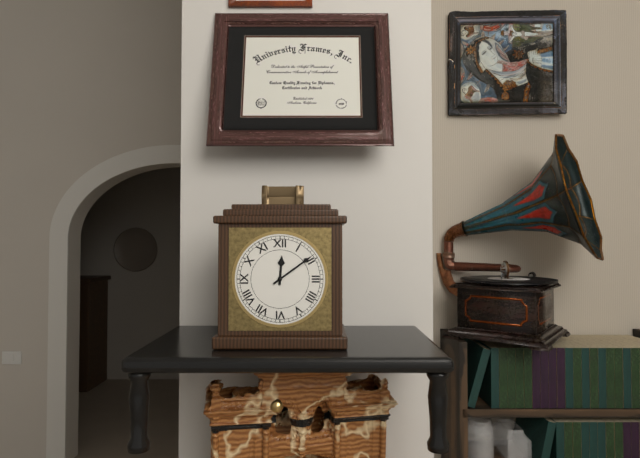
12:09
